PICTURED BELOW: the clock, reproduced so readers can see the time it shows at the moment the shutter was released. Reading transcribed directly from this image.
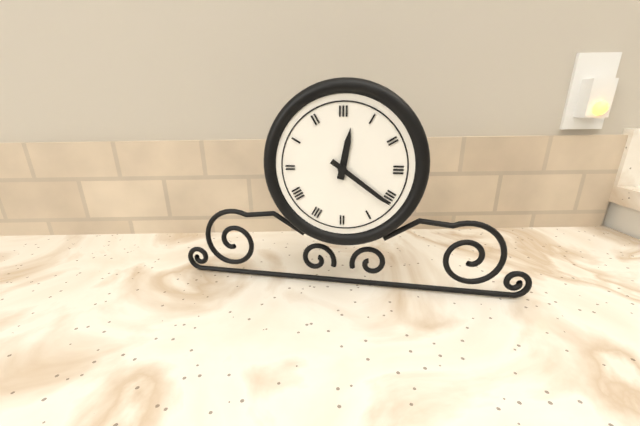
12:21
